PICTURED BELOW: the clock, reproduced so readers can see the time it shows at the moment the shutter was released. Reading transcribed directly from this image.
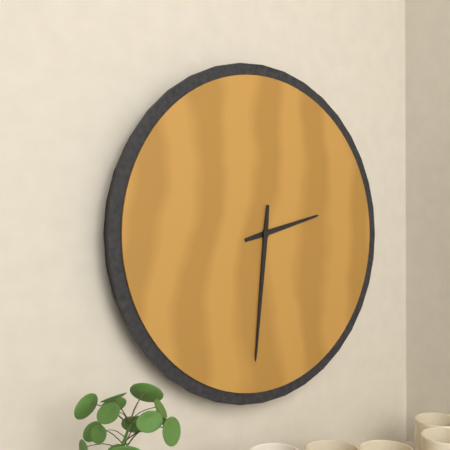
2:31
